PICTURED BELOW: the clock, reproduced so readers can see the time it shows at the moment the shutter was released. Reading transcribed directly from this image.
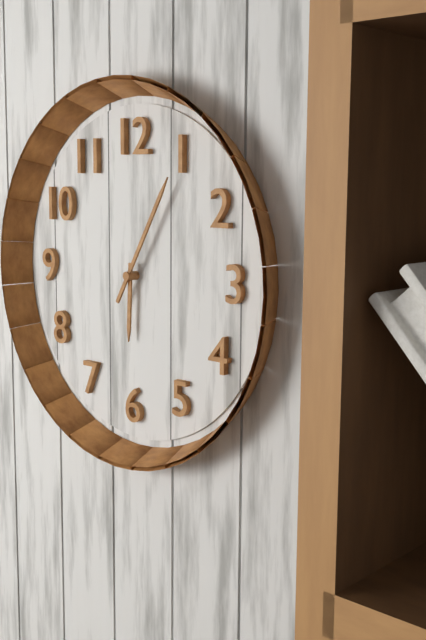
6:05
